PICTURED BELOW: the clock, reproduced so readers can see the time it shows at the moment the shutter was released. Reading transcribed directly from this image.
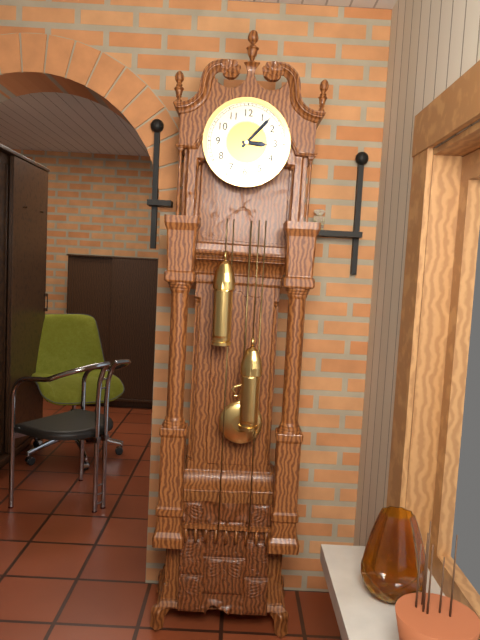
3:07
